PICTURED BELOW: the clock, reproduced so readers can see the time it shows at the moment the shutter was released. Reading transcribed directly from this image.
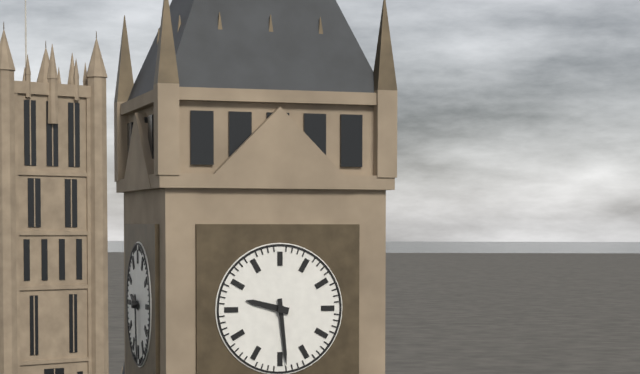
9:29
